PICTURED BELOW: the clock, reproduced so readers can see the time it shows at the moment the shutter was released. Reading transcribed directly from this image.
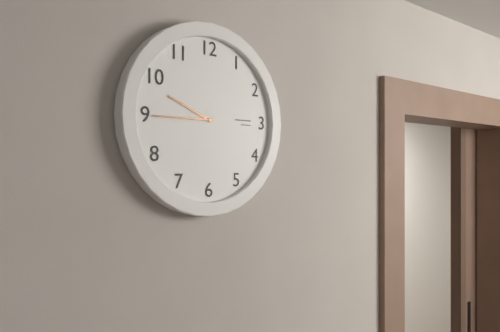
9:45
